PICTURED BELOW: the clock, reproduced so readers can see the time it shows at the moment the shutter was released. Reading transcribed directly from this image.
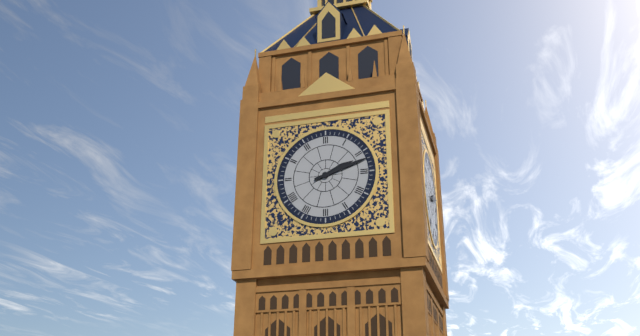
2:12
